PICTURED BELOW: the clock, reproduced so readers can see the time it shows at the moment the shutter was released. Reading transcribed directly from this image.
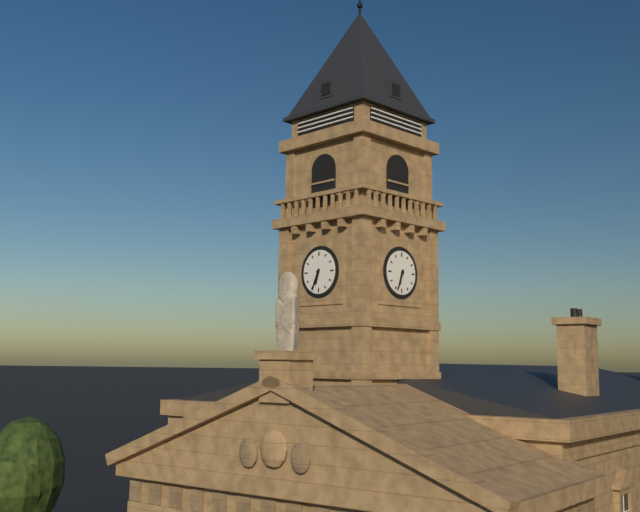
6:34
